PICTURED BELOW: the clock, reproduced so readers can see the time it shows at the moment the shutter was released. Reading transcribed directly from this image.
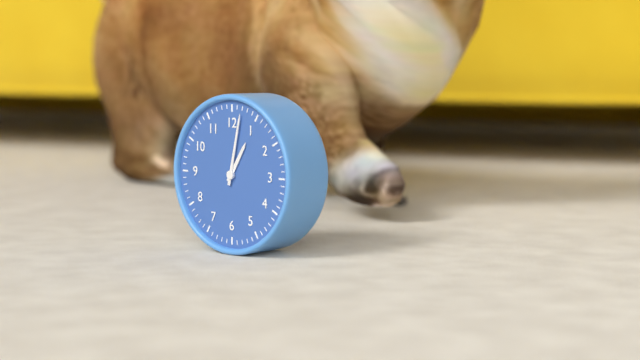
1:02
